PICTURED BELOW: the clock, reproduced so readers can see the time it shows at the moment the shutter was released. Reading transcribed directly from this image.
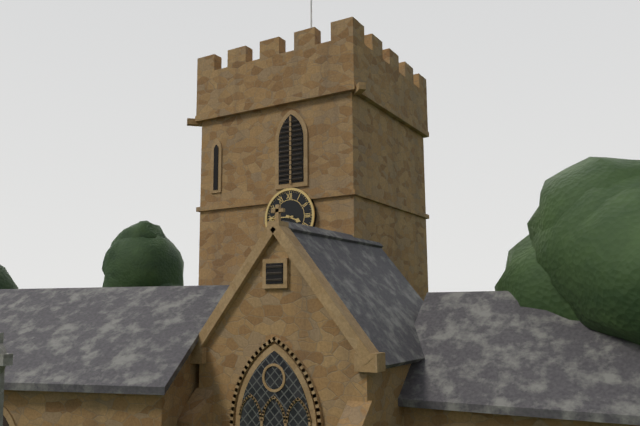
3:45
